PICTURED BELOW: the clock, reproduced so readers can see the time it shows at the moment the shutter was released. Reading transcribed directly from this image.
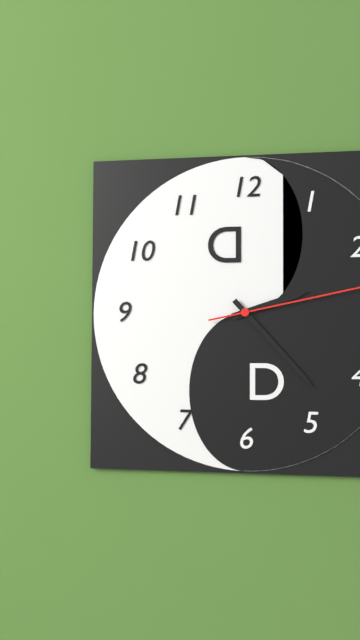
2:23
